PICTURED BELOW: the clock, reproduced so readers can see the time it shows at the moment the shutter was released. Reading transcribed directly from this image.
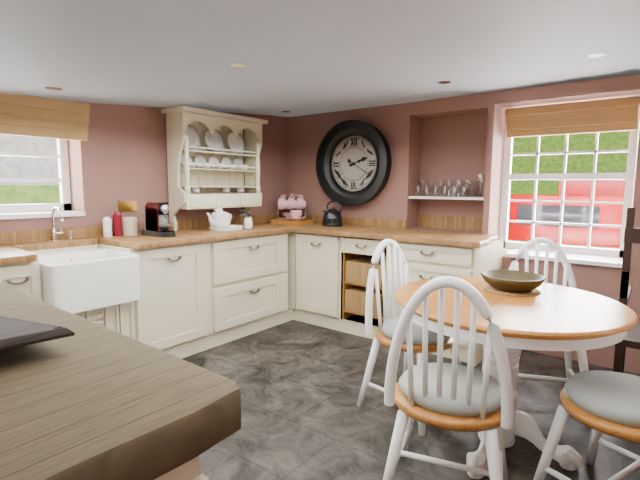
2:20
